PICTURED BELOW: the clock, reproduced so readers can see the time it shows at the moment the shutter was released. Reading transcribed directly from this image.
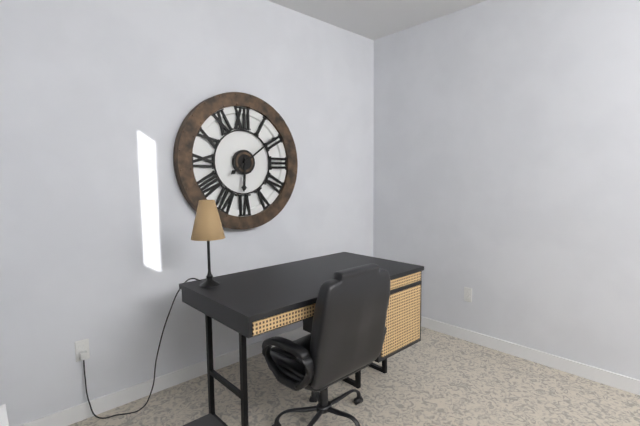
6:09
